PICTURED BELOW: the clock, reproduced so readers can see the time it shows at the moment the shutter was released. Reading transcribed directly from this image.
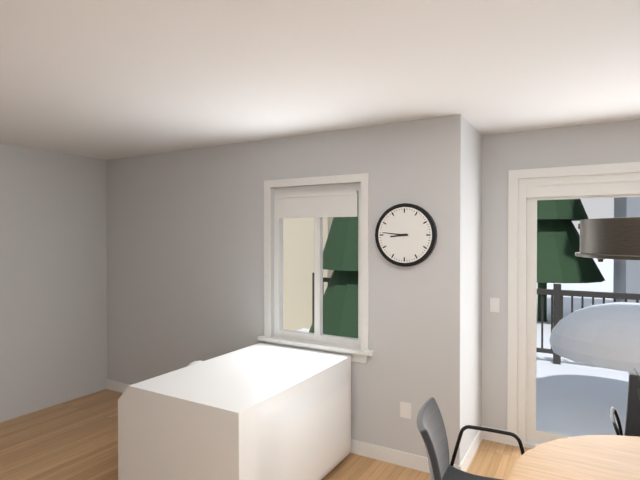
8:46
